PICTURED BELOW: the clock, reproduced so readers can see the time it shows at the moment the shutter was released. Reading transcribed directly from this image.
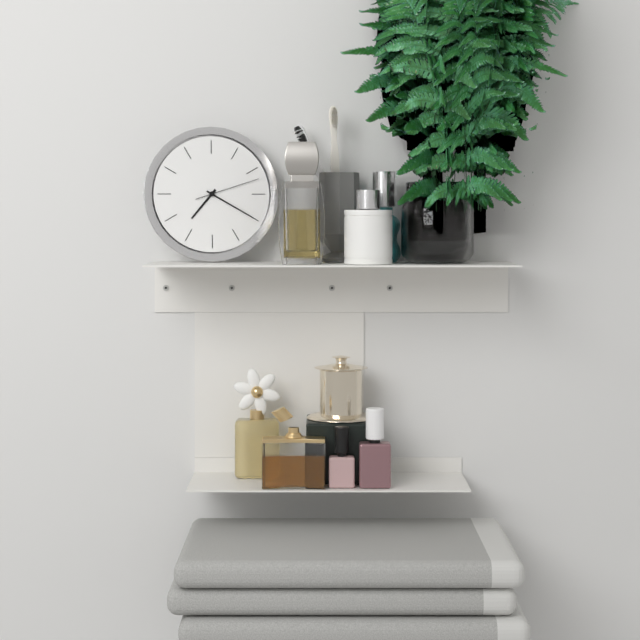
7:20:12
